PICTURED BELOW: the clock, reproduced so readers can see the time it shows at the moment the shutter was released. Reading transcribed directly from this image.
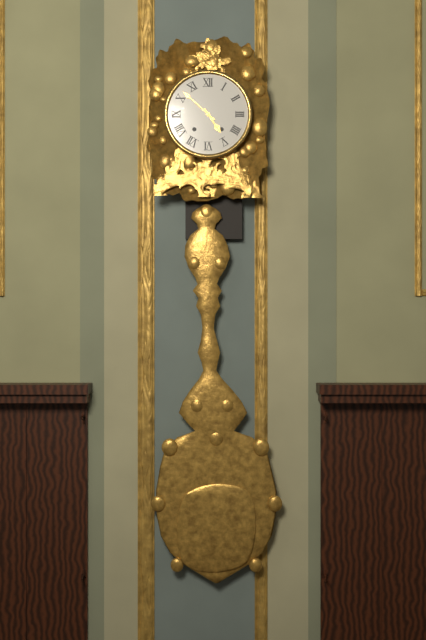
4:52
